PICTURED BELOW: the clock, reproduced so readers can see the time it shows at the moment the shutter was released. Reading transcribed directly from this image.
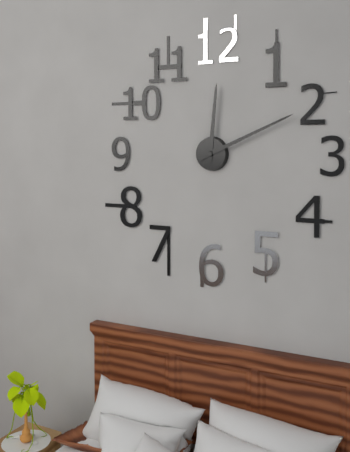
12:11
